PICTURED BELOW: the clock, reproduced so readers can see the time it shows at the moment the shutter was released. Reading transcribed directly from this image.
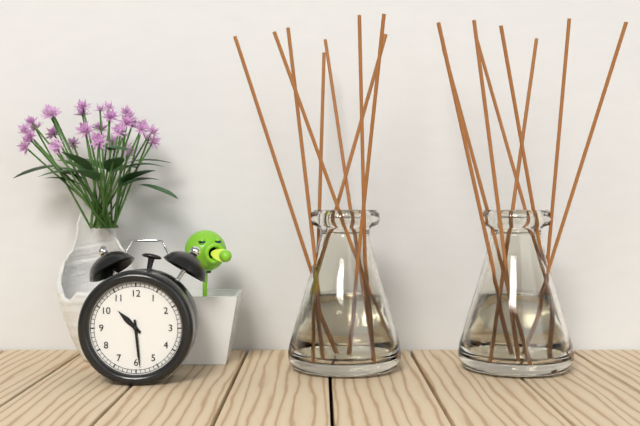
10:29
